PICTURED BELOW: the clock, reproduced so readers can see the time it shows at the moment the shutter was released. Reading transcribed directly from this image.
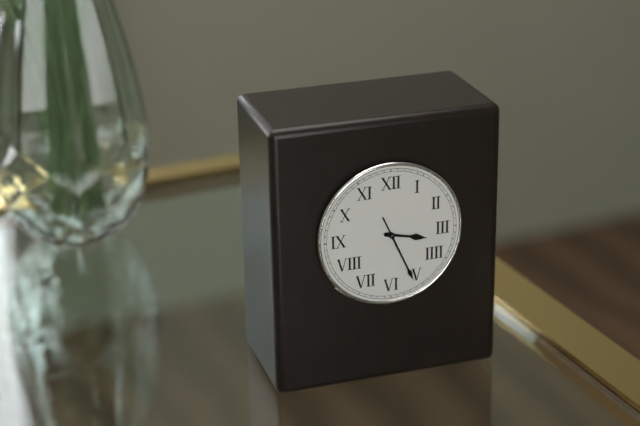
3:26
